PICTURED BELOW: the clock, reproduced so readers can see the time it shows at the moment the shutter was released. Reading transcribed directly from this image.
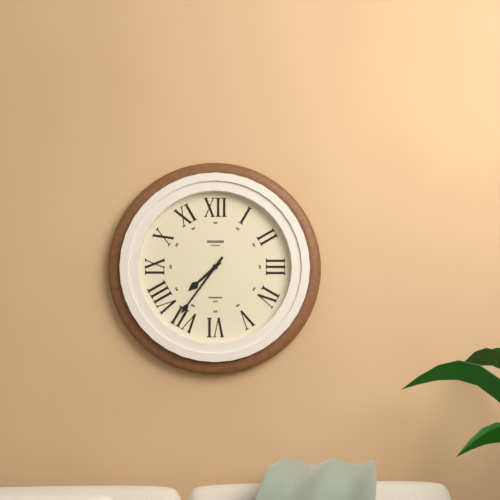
7:36
